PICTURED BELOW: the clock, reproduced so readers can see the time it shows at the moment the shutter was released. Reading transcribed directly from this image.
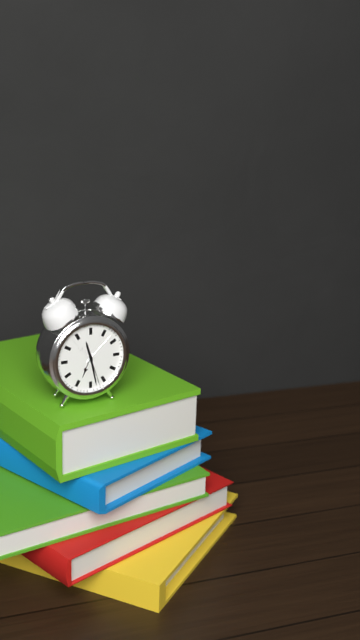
11:28
